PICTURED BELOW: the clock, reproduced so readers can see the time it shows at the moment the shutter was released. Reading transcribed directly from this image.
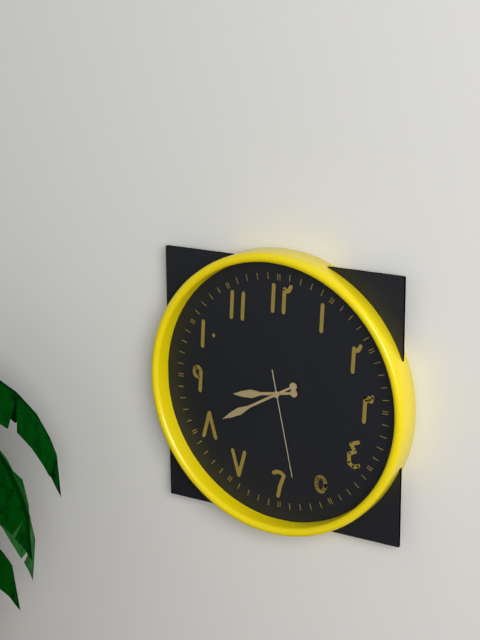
8:40:28
